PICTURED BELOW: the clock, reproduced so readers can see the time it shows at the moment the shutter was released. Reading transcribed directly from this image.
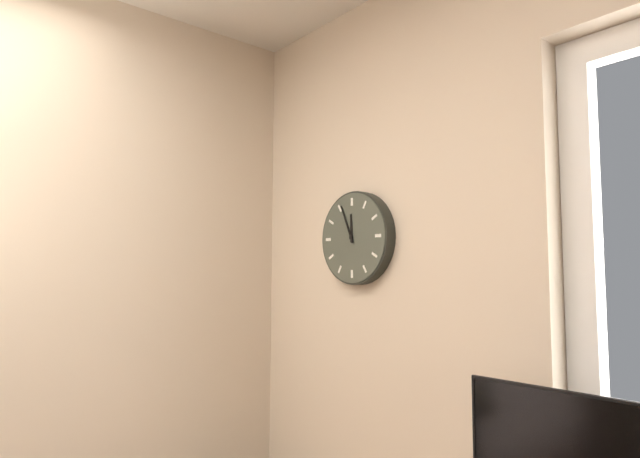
11:56
